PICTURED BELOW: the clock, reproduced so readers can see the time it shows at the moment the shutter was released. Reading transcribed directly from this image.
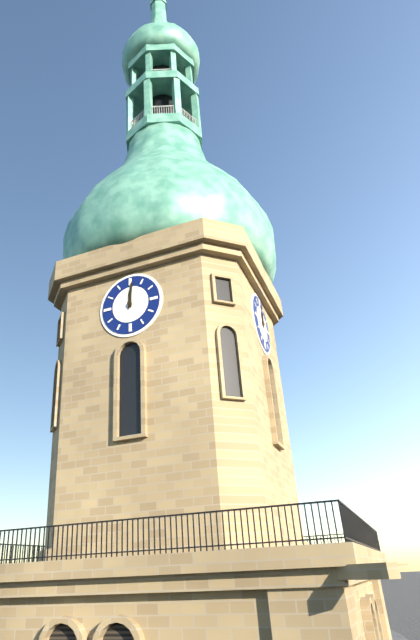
12:01
